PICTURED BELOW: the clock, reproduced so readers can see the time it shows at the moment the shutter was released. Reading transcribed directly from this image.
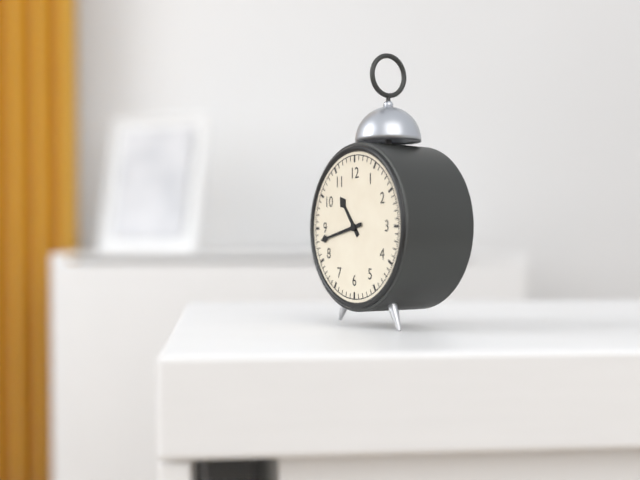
10:43
